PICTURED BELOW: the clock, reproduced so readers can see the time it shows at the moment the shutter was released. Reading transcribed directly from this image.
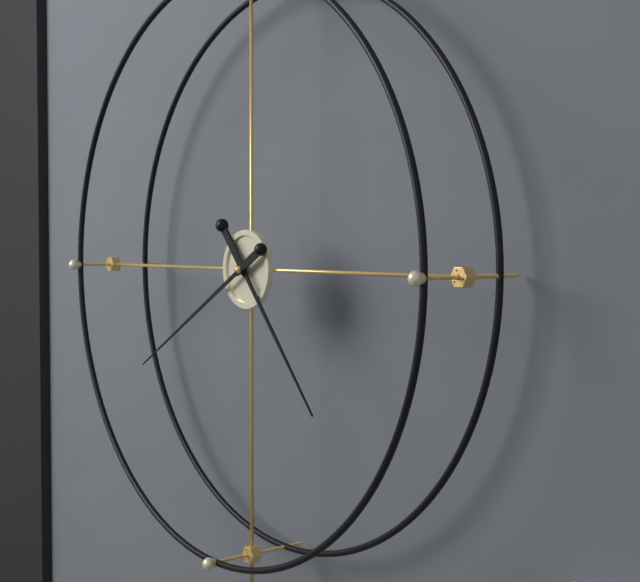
4:40
